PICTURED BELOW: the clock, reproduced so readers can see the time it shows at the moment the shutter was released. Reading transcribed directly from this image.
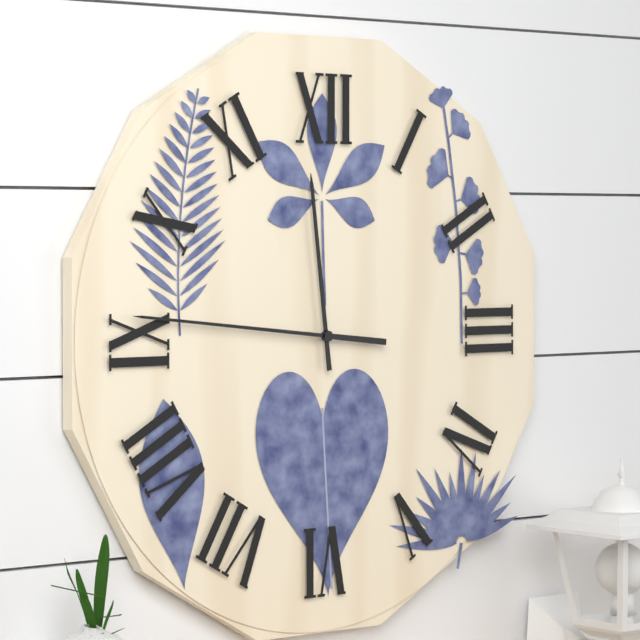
11:46
